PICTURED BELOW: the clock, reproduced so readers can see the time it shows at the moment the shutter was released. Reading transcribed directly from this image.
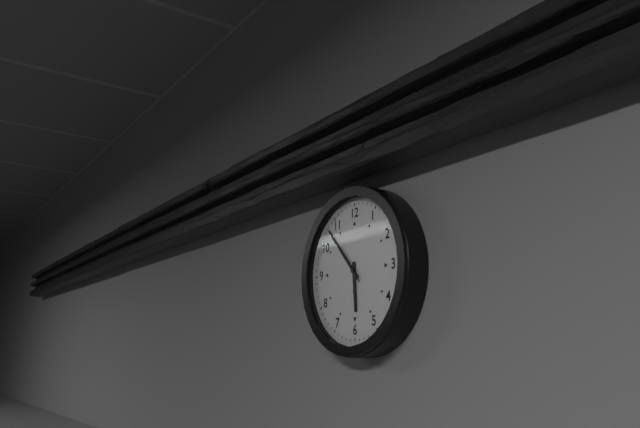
5:53:53
